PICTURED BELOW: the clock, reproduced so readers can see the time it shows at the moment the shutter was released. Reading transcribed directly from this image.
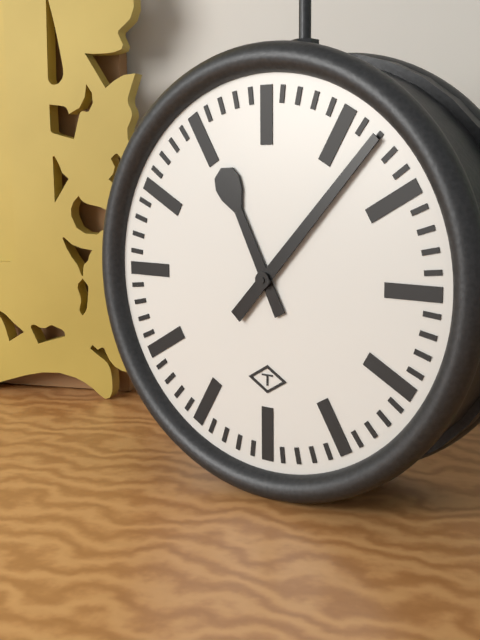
11:07
